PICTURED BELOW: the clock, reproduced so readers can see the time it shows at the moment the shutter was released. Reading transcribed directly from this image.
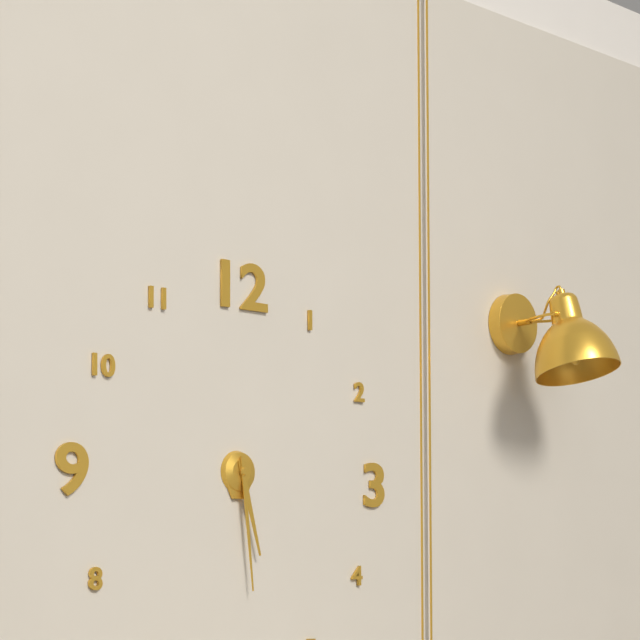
5:29
